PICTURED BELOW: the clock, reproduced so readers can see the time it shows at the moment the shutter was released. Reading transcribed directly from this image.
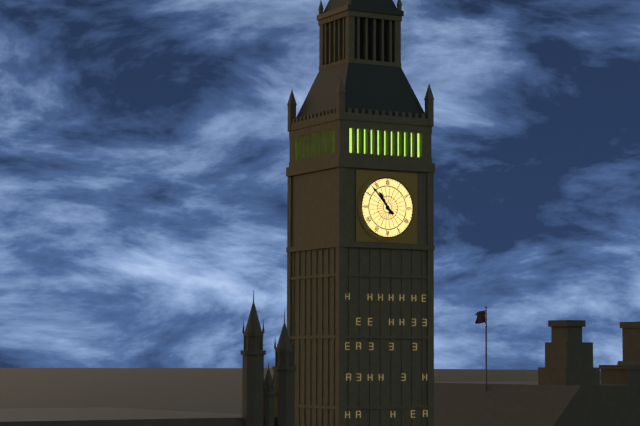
10:53
